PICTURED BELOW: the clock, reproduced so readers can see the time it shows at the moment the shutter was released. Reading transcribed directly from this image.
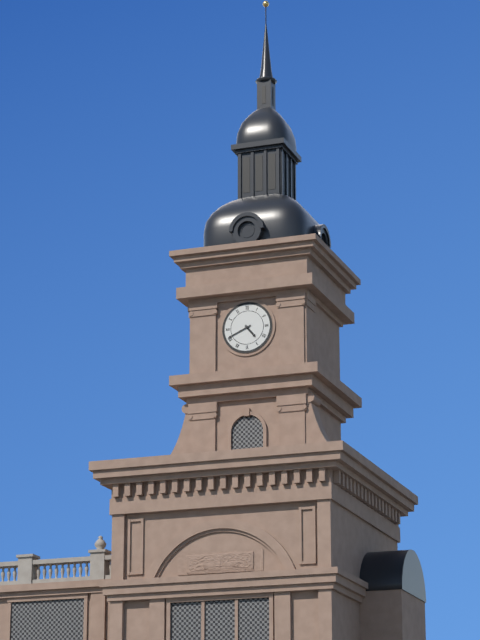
4:41
